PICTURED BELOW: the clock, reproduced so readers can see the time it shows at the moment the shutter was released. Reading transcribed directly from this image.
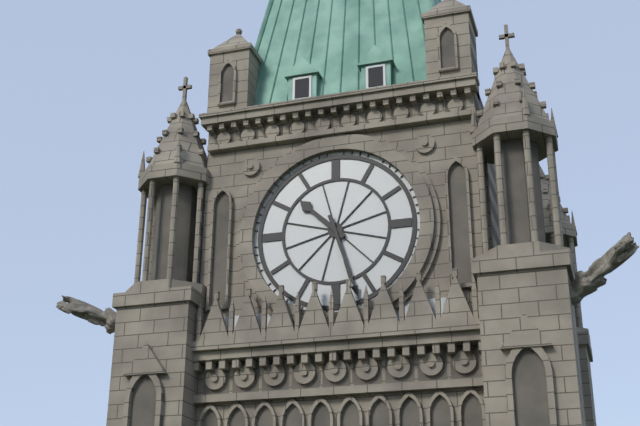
10:27
